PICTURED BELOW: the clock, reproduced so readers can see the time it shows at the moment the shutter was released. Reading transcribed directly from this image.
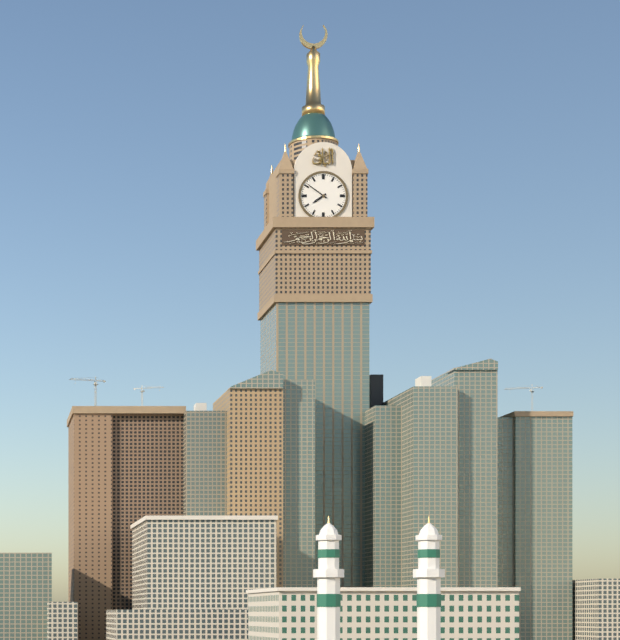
7:51
